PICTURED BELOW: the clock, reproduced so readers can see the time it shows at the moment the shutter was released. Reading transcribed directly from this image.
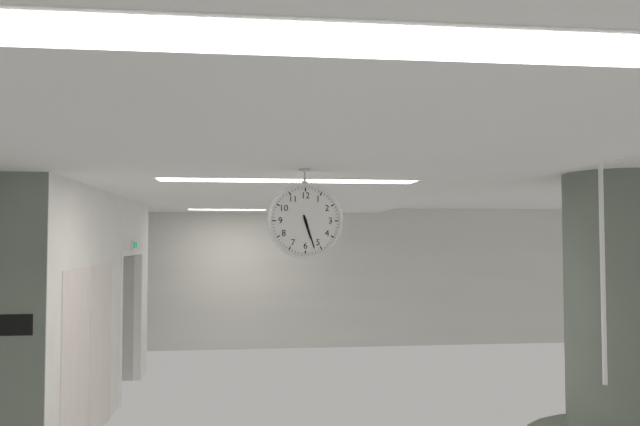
5:27
